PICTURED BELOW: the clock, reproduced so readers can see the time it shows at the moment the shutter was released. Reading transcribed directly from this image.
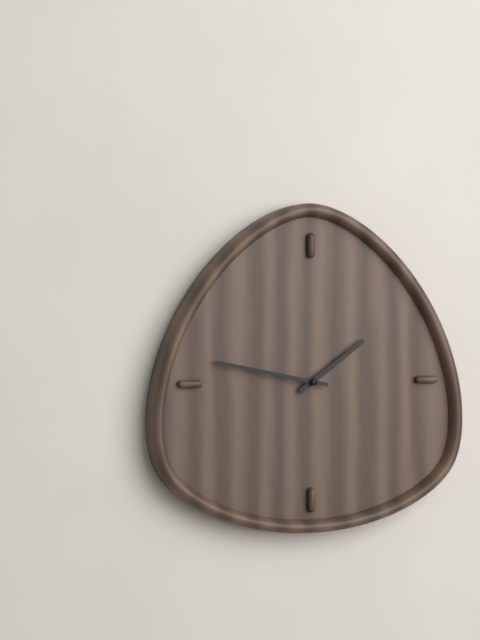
1:47
